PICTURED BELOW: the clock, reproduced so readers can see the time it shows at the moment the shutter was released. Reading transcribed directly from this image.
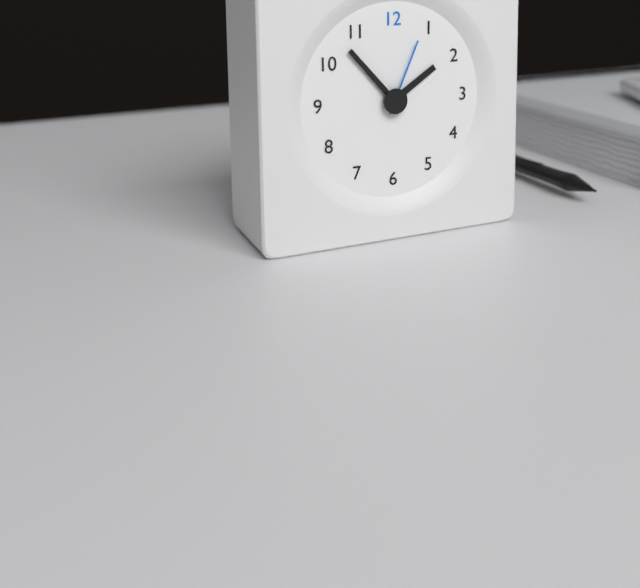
1:53:04
